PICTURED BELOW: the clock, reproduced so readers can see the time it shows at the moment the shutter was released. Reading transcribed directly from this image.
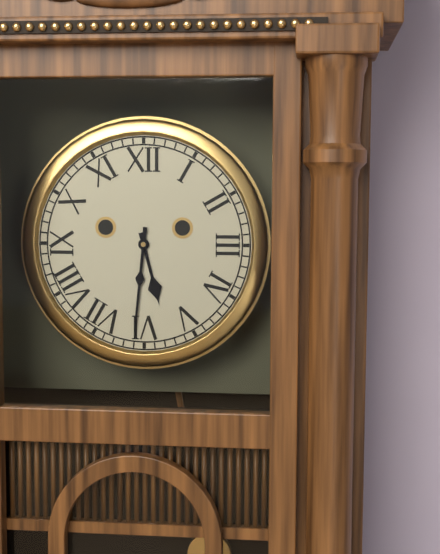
5:31
